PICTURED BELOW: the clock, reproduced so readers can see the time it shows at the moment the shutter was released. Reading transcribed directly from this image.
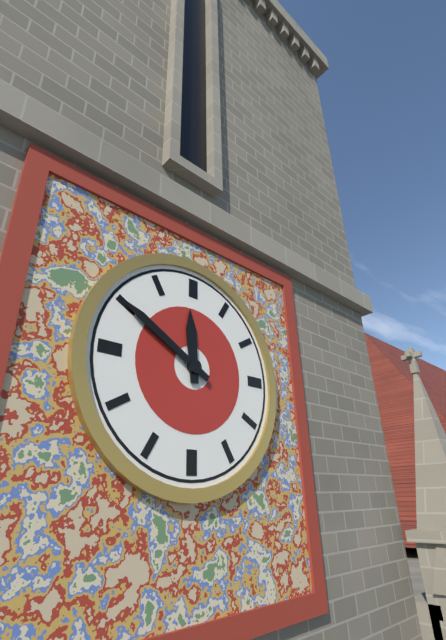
11:50
